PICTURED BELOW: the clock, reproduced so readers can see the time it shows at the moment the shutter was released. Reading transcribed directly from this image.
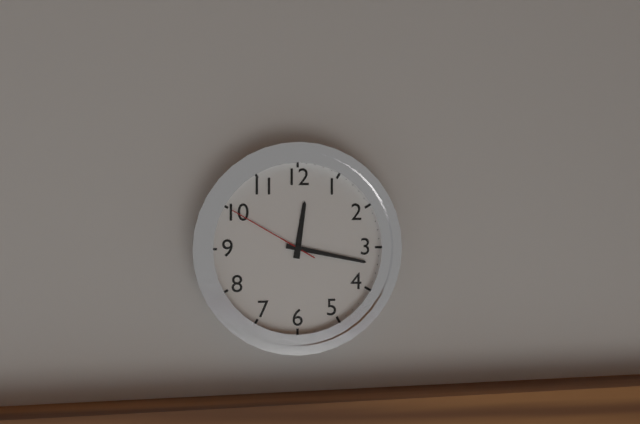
12:17:50
